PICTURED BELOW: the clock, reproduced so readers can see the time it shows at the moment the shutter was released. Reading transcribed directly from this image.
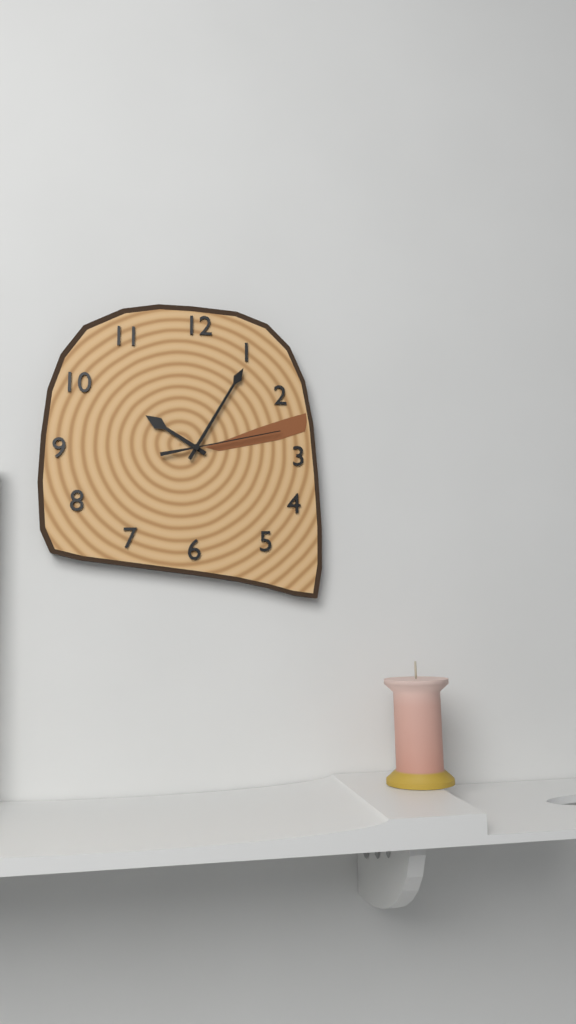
10:05:13
